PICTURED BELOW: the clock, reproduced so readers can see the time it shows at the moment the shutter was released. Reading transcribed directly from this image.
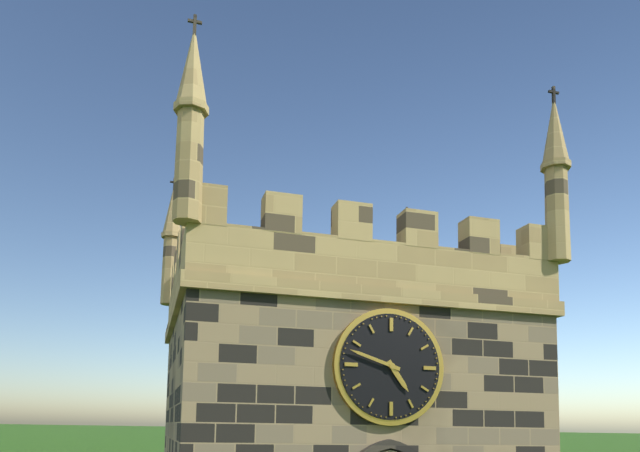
4:48
